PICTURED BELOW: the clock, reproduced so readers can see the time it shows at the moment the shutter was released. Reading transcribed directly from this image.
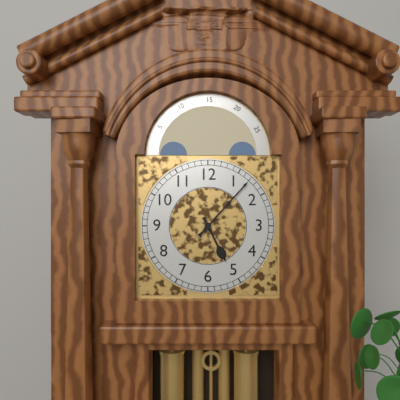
5:07
